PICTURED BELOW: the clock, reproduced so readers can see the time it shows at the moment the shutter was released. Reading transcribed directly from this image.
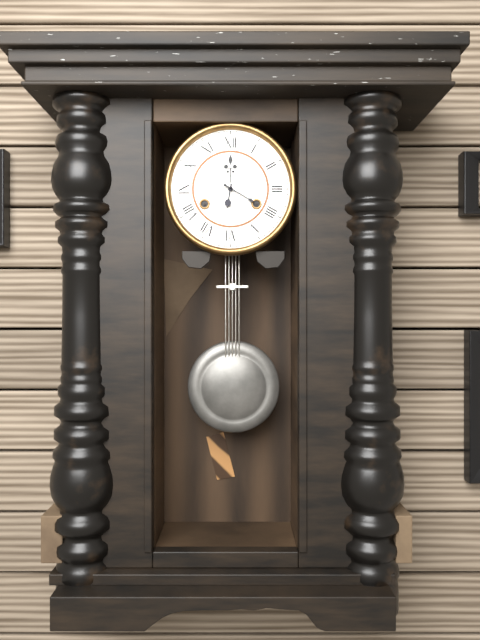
6:20
